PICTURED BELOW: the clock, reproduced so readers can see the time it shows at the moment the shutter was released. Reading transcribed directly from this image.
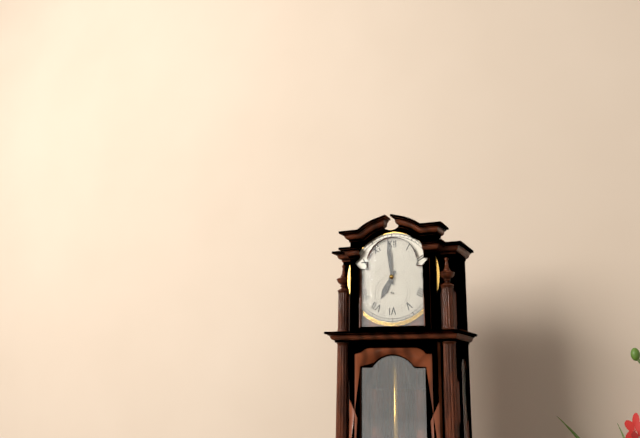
6:59
